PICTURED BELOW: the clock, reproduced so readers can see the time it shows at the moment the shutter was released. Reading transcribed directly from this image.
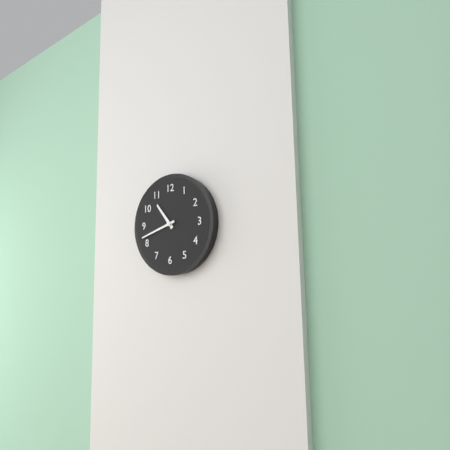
10:42
